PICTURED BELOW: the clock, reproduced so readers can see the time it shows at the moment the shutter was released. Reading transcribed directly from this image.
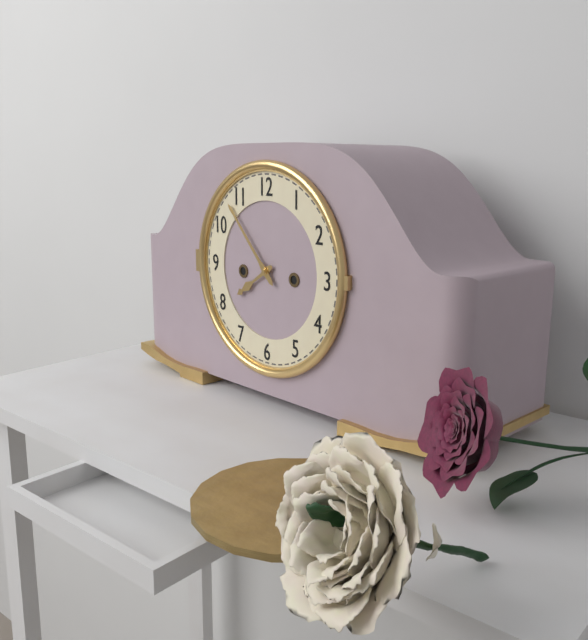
7:53
